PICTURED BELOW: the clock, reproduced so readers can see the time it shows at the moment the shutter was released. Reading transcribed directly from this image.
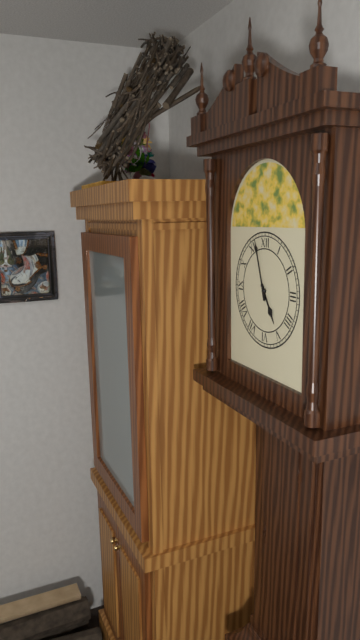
4:57
